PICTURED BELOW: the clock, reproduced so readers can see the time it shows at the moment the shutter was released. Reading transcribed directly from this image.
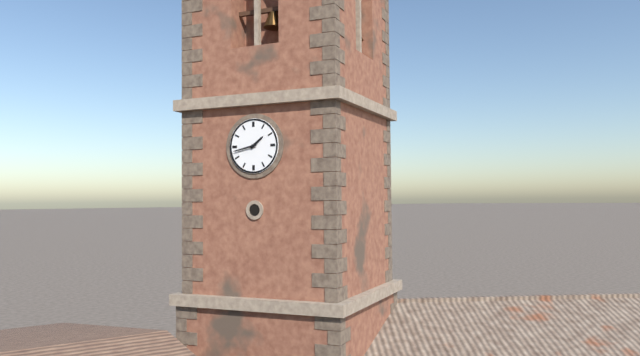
1:43
